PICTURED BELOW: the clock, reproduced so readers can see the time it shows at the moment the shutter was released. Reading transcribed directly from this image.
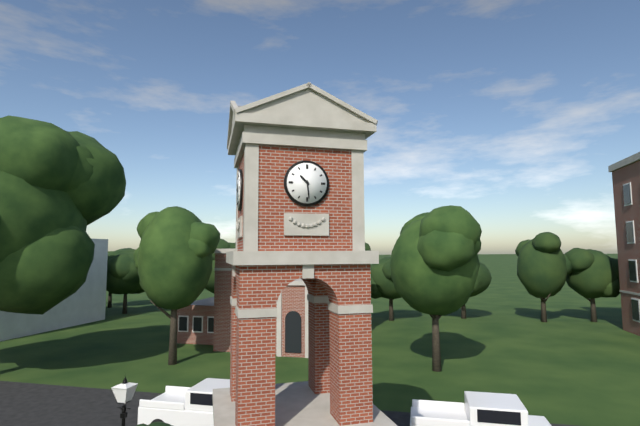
10:29
